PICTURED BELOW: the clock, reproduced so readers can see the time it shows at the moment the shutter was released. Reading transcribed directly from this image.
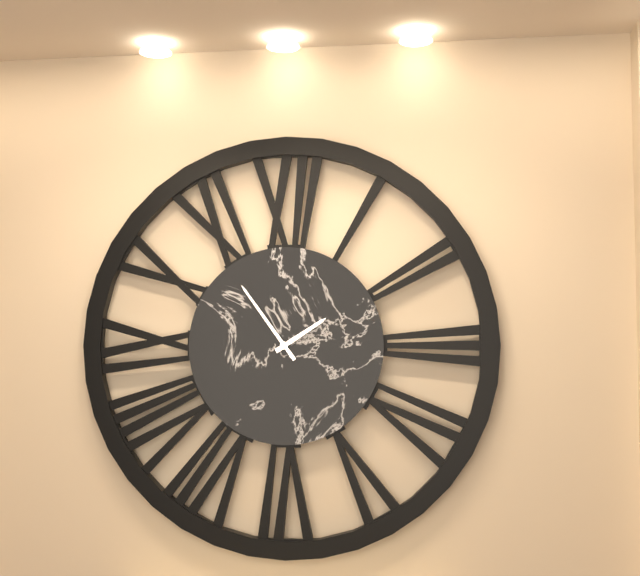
1:54
